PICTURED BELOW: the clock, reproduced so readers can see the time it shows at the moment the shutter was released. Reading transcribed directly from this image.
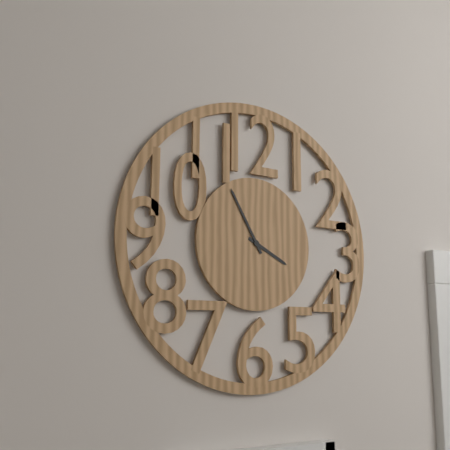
3:55
